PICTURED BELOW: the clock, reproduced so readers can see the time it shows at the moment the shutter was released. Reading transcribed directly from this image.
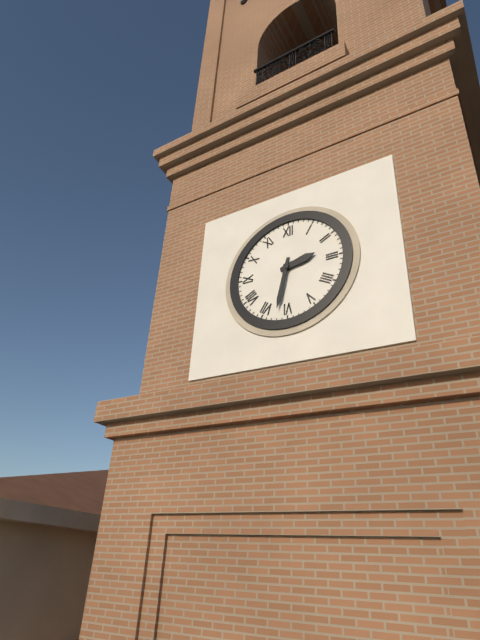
2:32
